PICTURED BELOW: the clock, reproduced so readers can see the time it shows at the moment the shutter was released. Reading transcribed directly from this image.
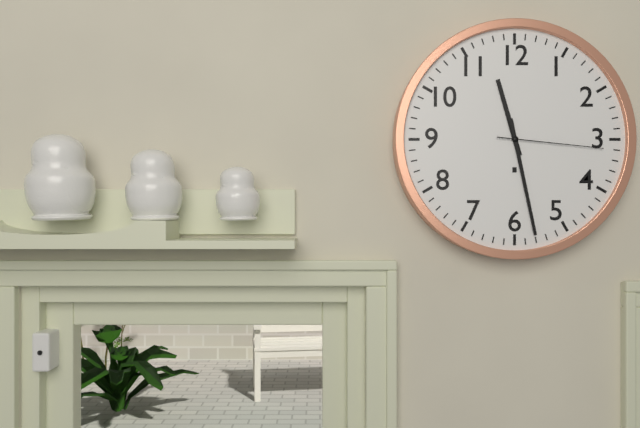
11:28:16
